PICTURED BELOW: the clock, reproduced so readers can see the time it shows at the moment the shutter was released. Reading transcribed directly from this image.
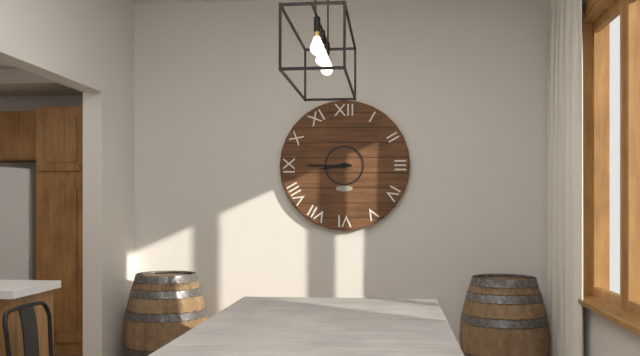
8:45
